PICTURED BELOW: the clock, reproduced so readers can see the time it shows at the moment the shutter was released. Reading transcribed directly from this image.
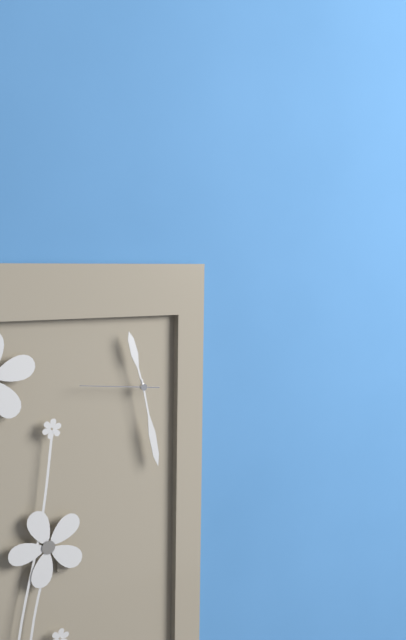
11:28:46
